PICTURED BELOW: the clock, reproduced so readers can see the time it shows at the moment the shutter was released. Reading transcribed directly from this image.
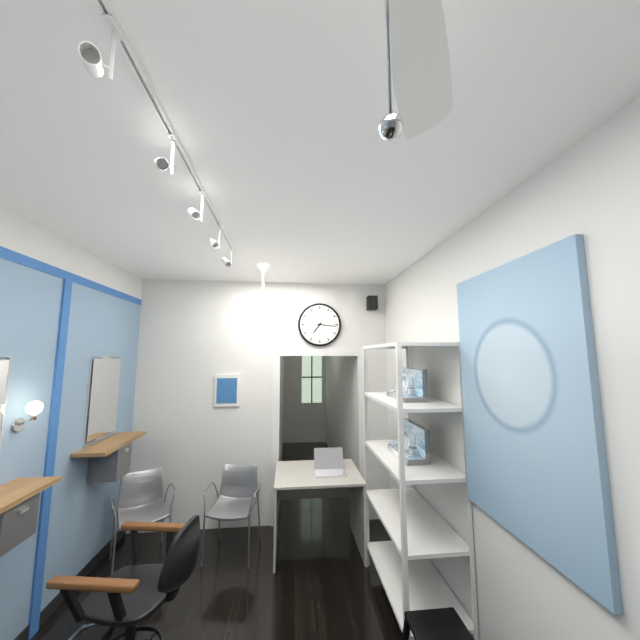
7:16
